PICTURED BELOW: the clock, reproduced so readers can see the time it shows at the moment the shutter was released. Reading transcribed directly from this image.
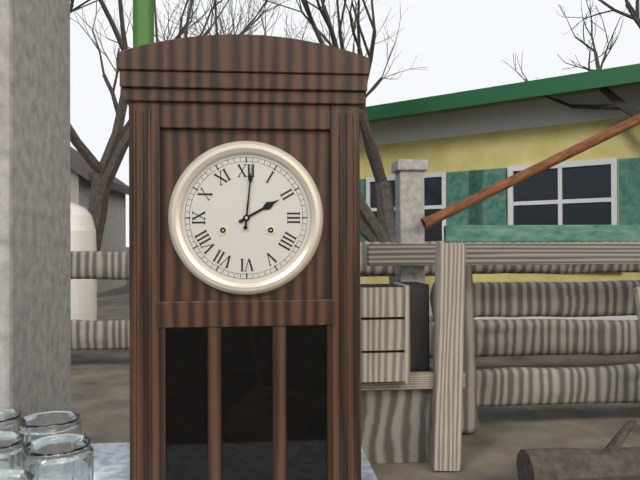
2:01
